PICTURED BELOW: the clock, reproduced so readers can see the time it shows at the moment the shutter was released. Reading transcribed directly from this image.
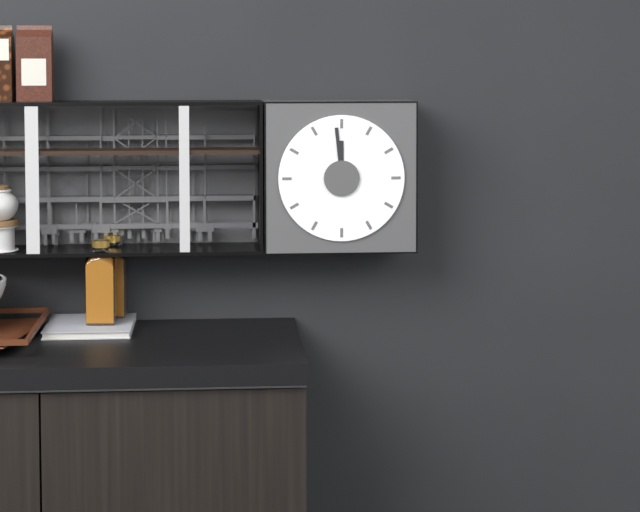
11:59
